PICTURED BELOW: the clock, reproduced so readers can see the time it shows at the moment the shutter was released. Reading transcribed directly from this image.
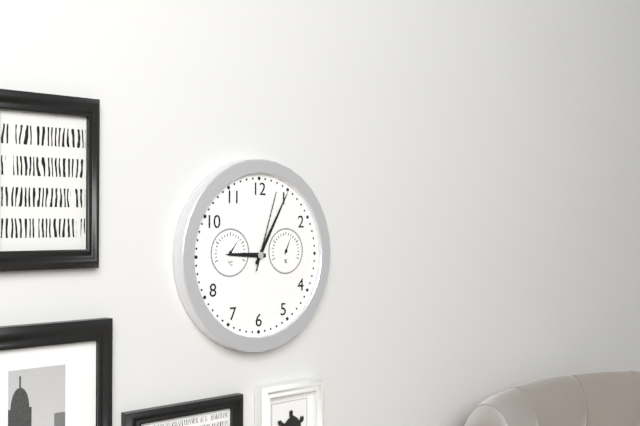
9:05:03
